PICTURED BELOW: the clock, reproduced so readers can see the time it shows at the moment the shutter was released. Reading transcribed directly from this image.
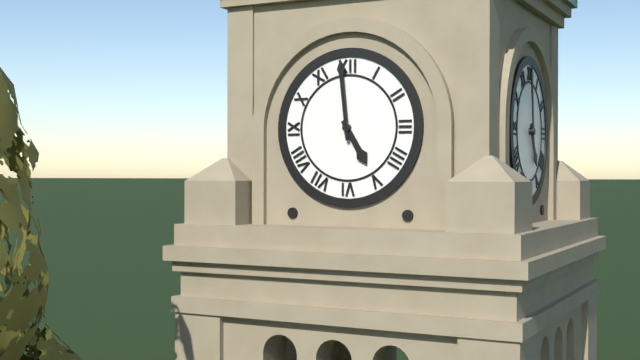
4:59
